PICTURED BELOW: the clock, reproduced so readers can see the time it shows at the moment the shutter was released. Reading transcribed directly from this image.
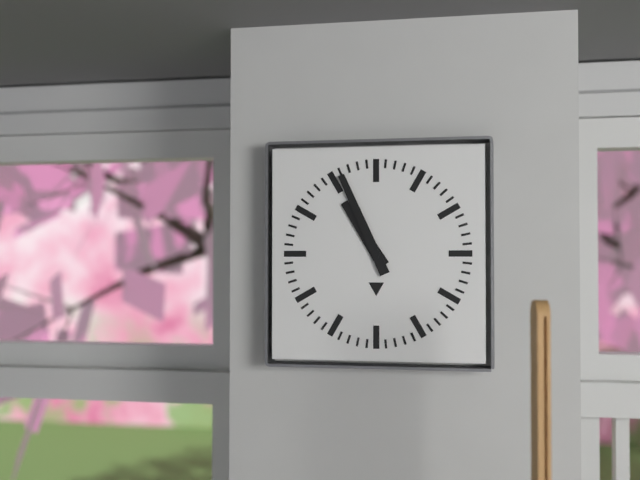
10:56
